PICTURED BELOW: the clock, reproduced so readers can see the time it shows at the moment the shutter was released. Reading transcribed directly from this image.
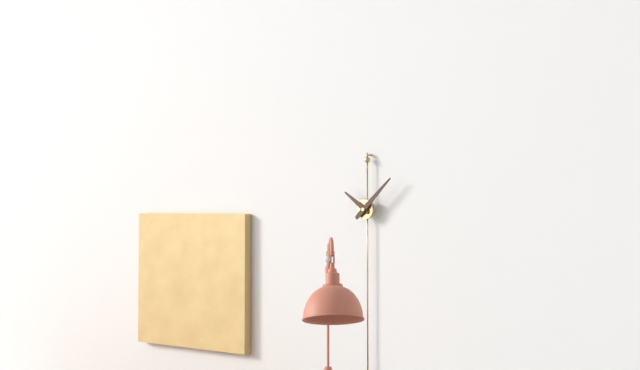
10:08
